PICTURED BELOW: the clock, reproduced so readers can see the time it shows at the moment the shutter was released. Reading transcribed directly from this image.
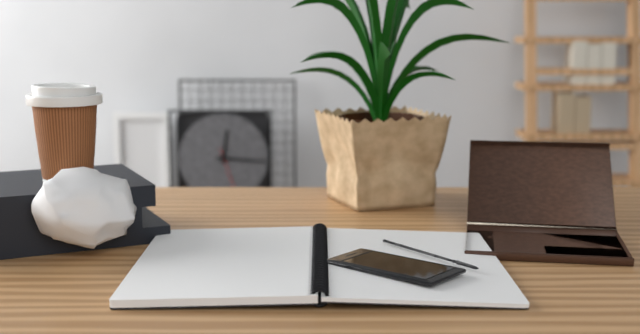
12:16:27
